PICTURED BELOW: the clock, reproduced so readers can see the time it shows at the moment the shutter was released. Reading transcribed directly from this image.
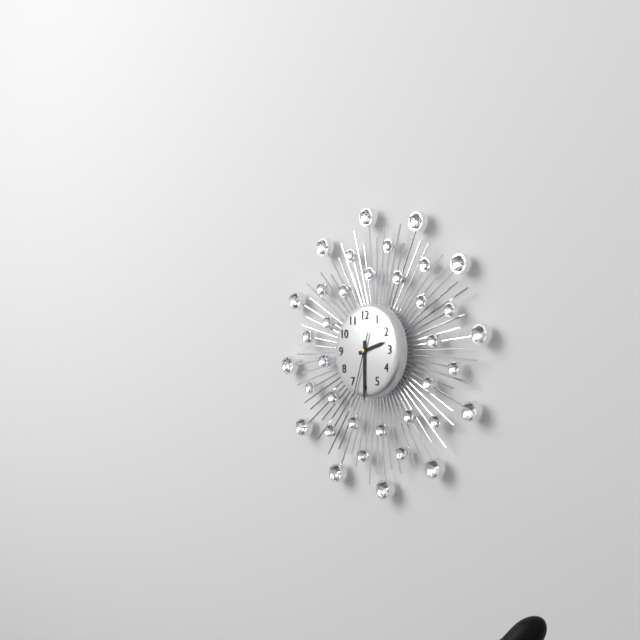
2:30:33
